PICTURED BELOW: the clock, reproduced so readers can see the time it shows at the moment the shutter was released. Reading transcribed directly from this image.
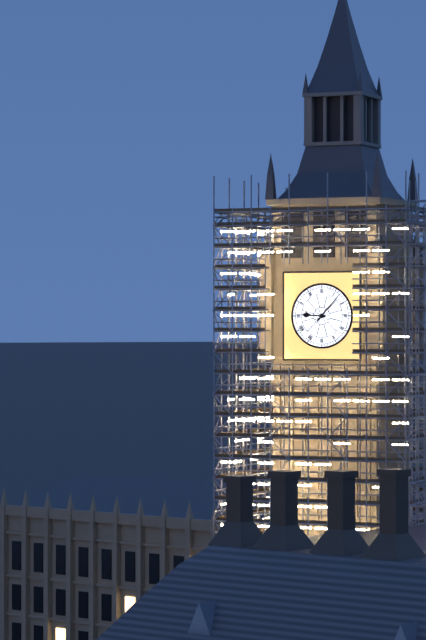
9:07
